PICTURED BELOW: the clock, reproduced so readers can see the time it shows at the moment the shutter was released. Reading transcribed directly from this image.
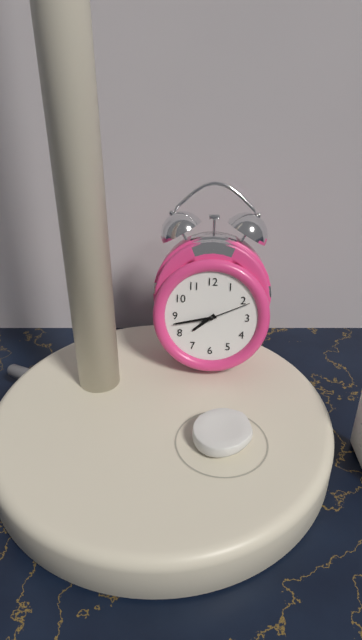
7:43:11
